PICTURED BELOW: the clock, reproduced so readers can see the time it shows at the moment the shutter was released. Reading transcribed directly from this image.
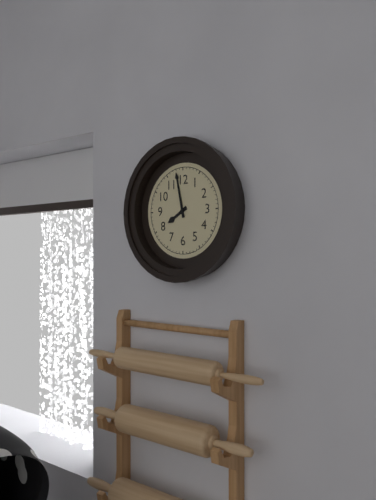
7:58
